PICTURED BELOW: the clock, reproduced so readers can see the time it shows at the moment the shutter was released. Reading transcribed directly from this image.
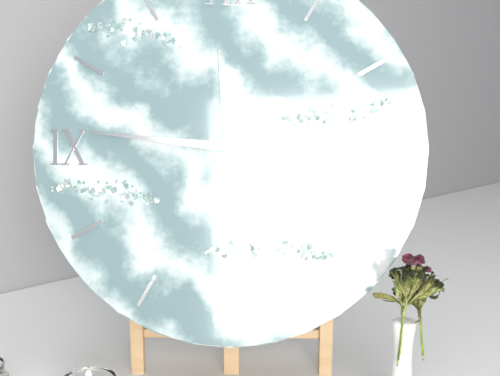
11:46
